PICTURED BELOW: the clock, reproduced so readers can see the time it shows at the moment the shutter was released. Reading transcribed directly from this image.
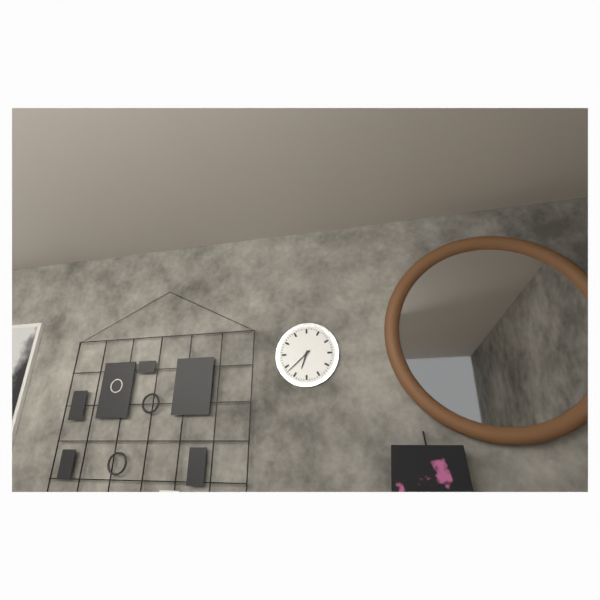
6:38
